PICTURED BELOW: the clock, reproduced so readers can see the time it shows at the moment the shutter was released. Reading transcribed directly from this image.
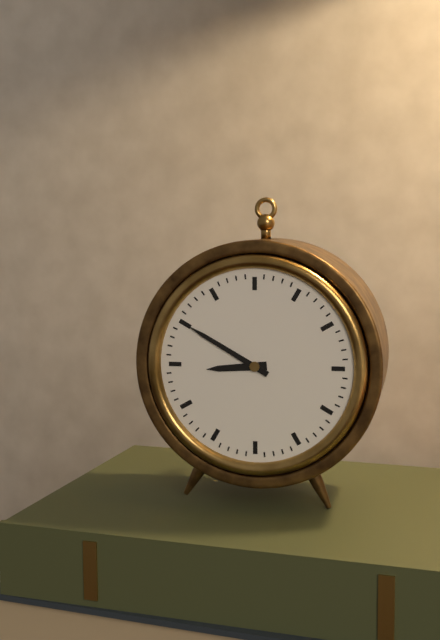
8:50
